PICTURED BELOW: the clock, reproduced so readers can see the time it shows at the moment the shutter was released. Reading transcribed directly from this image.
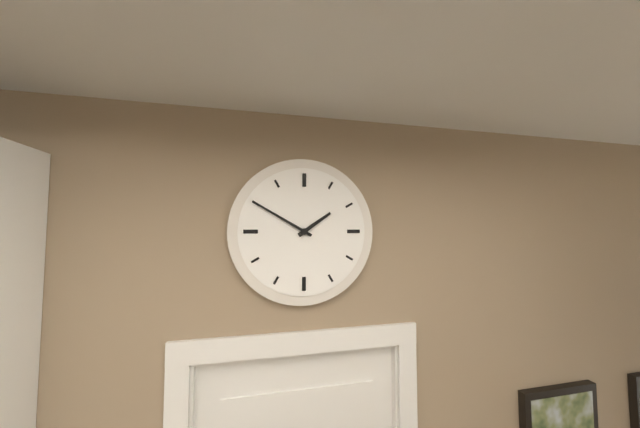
1:50
